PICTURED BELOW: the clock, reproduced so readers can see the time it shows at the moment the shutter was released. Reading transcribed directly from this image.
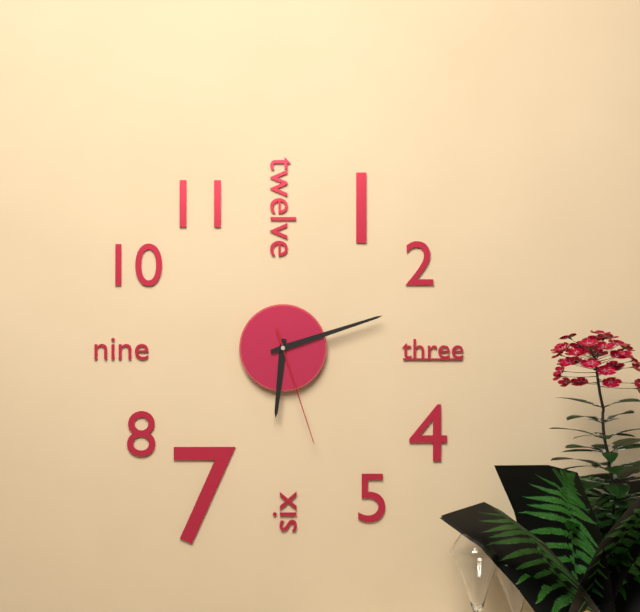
6:12:27
